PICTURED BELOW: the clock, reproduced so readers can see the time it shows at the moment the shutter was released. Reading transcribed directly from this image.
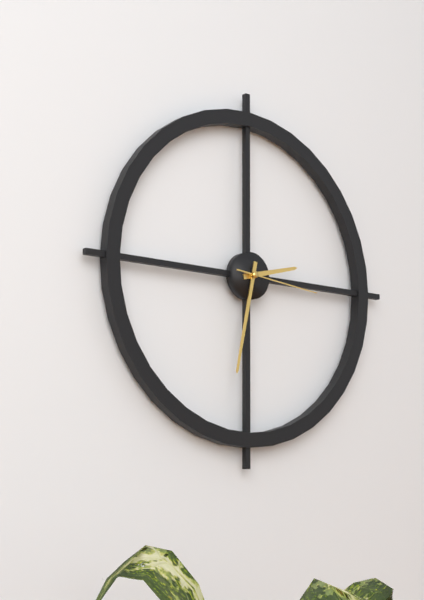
2:32:16
